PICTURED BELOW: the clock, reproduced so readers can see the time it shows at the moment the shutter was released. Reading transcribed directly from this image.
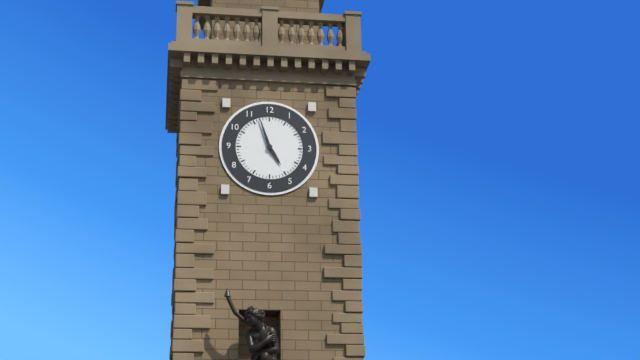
4:57
